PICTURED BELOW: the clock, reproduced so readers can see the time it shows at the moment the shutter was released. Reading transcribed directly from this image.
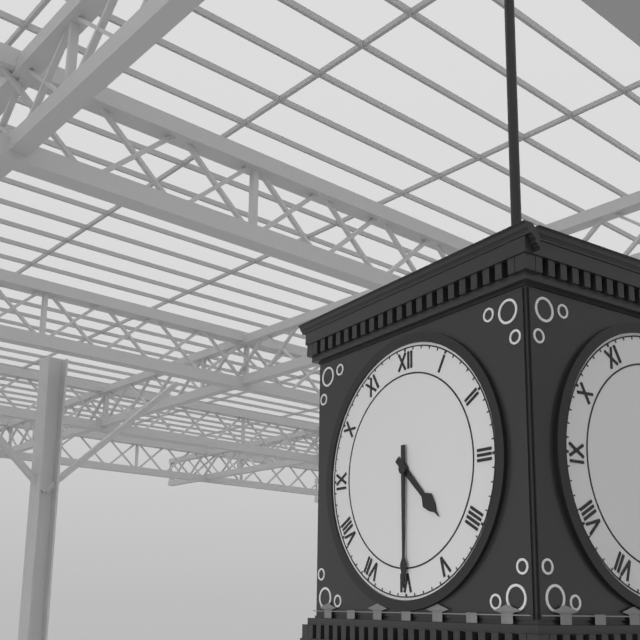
4:30
